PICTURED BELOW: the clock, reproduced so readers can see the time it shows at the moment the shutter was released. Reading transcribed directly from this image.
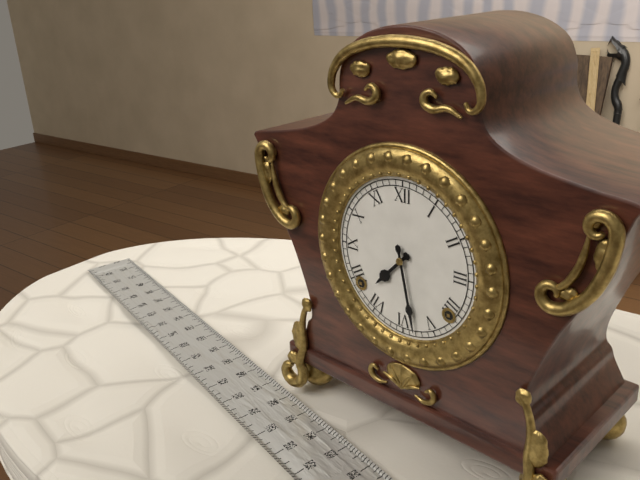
7:28
